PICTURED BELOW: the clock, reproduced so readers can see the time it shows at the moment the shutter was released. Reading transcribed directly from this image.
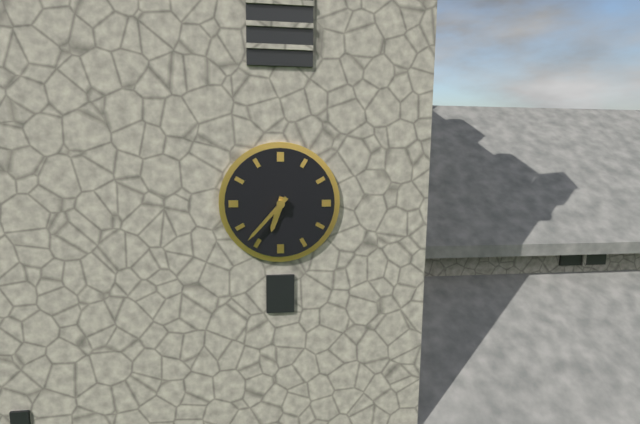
6:37
